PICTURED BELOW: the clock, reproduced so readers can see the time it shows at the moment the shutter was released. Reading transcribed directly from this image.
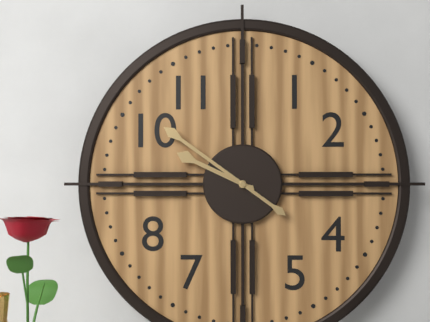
9:51
